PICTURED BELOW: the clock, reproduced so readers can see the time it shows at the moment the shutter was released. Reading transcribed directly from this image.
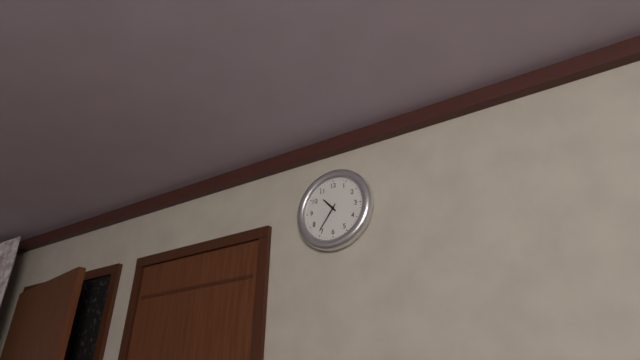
10:36
